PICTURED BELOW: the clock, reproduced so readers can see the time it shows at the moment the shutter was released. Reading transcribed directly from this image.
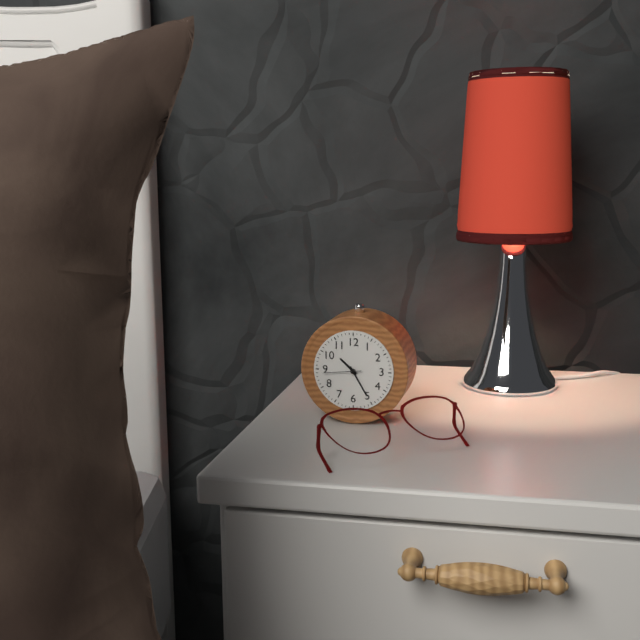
10:25
